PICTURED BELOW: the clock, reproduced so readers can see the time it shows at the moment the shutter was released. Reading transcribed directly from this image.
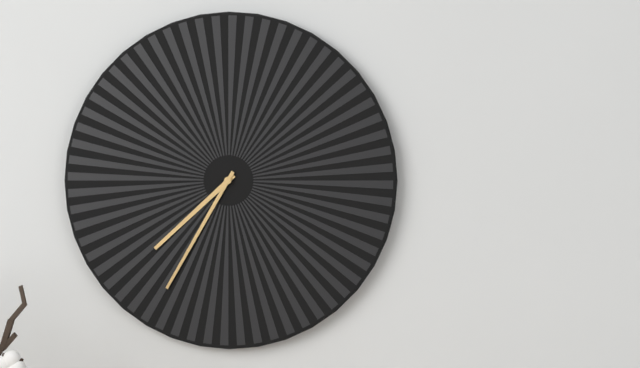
7:35
